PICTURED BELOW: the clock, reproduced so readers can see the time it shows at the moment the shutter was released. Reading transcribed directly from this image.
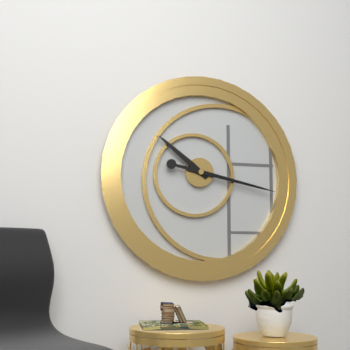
10:17
